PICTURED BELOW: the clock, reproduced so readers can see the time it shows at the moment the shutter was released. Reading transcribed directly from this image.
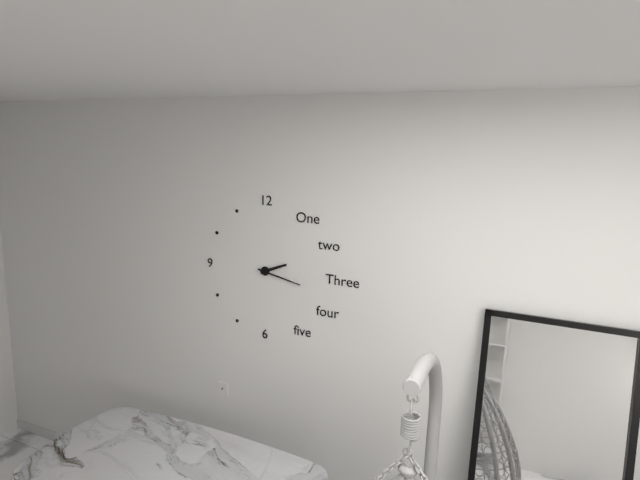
2:17
